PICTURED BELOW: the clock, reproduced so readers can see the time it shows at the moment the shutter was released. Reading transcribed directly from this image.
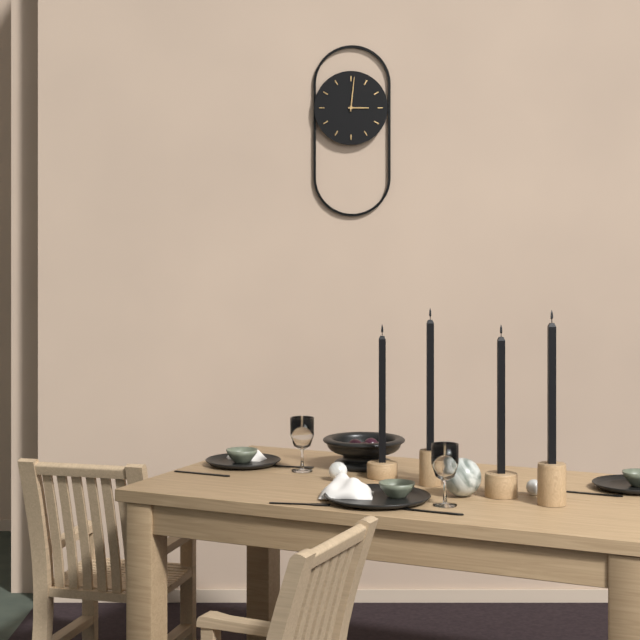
3:01
